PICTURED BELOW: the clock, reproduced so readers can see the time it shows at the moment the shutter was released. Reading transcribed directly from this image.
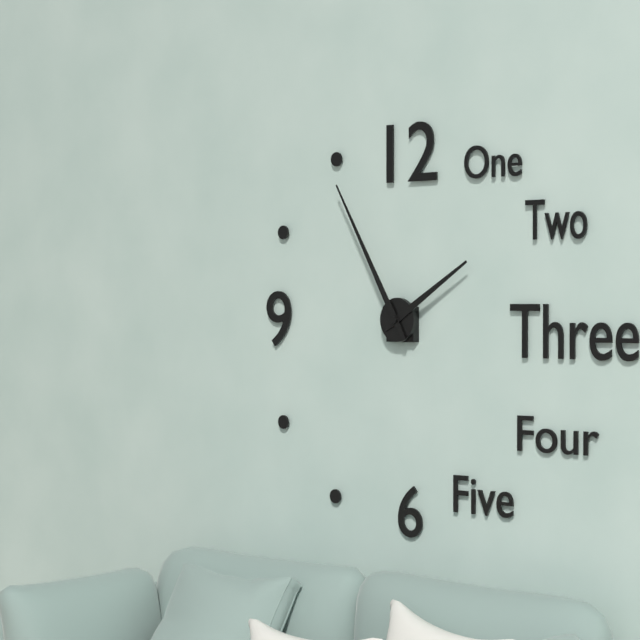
1:55
